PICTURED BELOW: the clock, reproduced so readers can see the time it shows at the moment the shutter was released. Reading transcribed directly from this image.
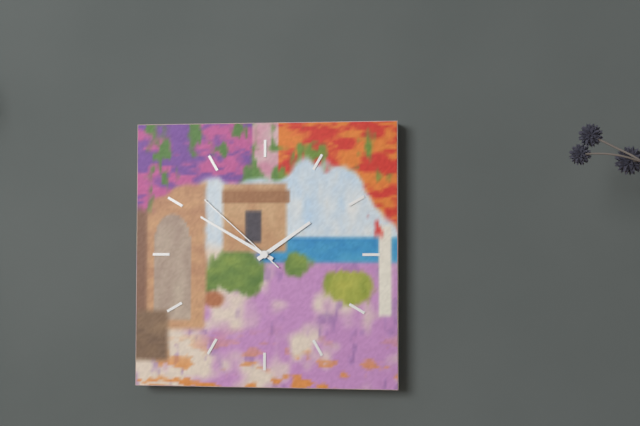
1:50:52
